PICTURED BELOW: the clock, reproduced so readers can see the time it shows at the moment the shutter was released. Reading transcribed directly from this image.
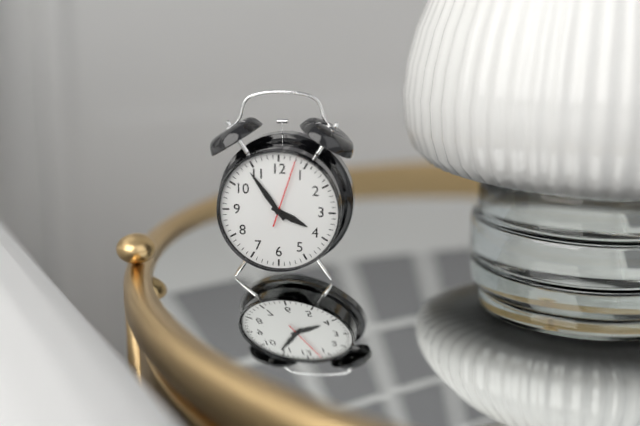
3:54:03
